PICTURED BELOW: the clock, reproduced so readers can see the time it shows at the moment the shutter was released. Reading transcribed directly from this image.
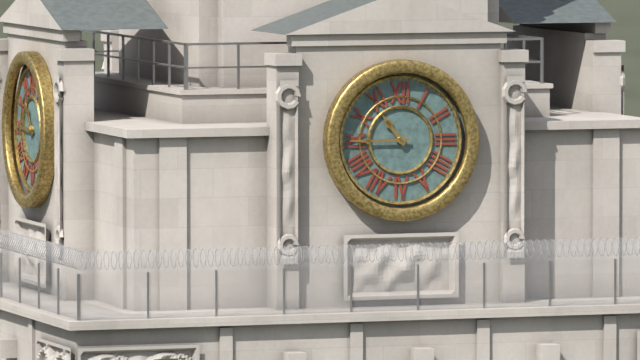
10:45
